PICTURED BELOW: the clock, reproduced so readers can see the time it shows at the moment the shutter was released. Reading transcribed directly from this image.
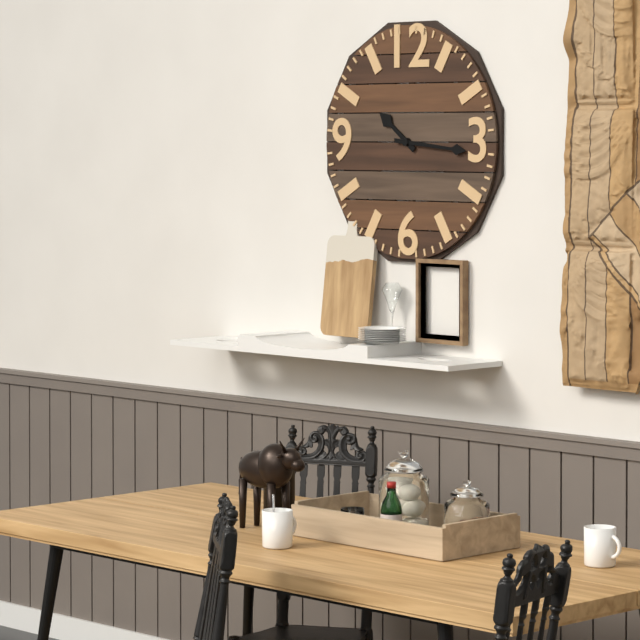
10:16
